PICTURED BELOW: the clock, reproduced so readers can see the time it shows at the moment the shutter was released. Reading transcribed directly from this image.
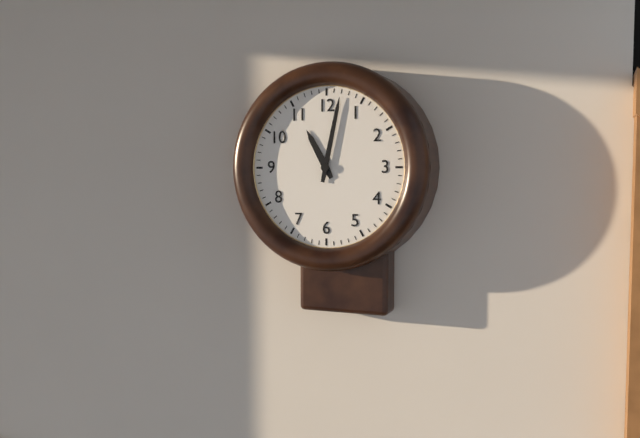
11:02
